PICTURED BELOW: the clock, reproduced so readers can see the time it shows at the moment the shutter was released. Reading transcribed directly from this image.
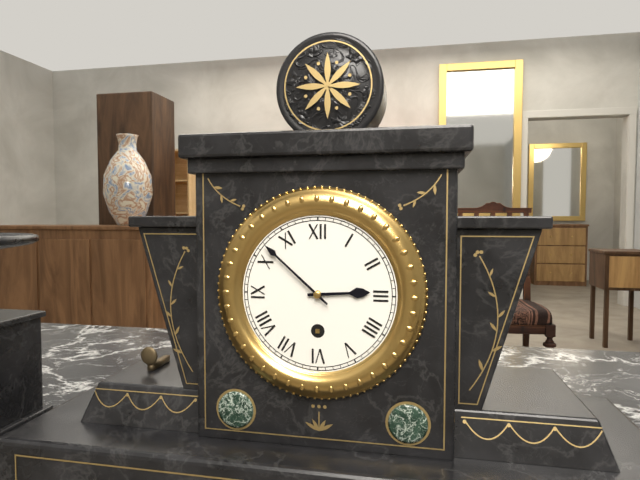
2:52
